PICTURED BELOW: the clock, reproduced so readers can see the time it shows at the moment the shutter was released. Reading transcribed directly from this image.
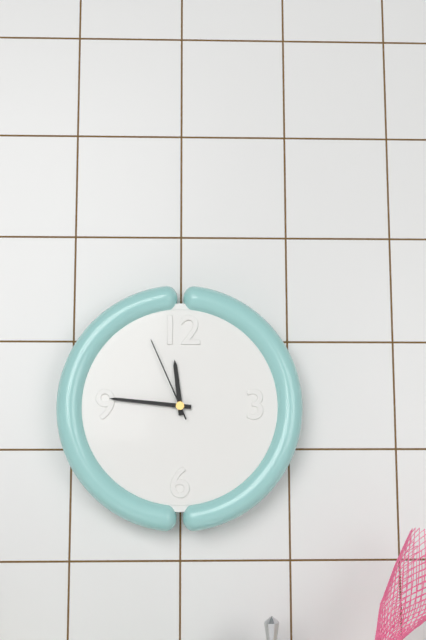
11:46:56
